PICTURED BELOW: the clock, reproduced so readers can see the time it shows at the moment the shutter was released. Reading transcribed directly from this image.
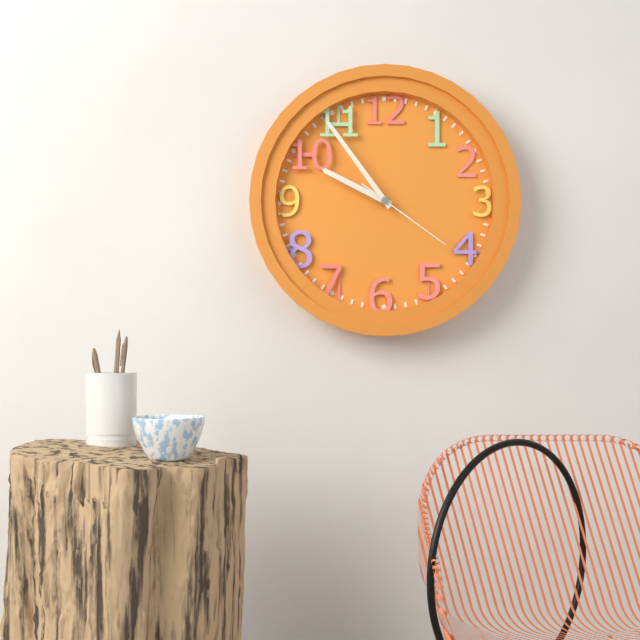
9:54:21
